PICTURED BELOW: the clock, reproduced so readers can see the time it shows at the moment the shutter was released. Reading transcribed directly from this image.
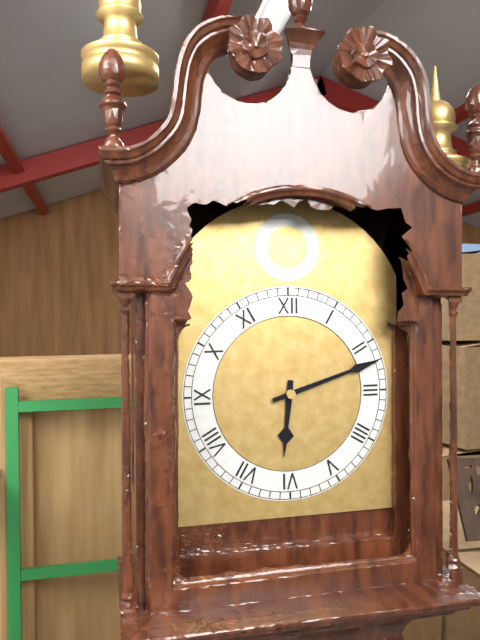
6:12
